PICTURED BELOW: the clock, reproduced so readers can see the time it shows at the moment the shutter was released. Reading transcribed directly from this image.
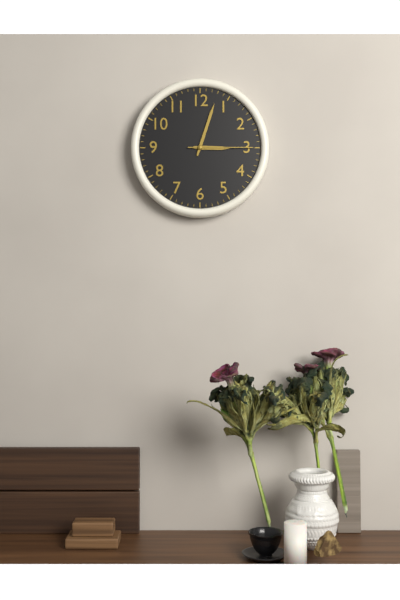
3:03:15
